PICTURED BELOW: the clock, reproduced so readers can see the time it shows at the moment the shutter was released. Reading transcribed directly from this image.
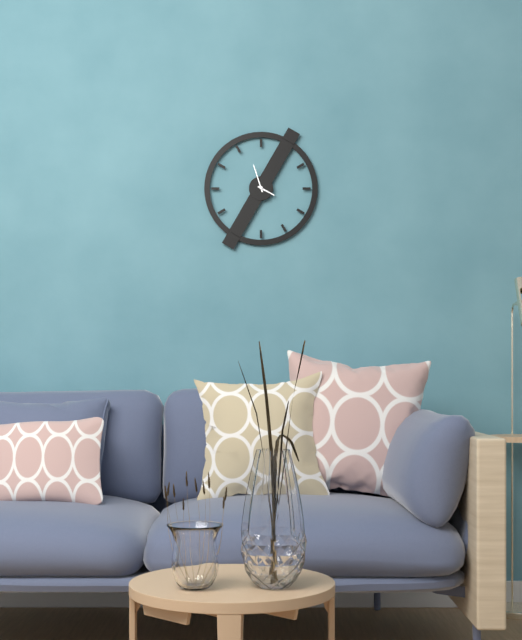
3:57
